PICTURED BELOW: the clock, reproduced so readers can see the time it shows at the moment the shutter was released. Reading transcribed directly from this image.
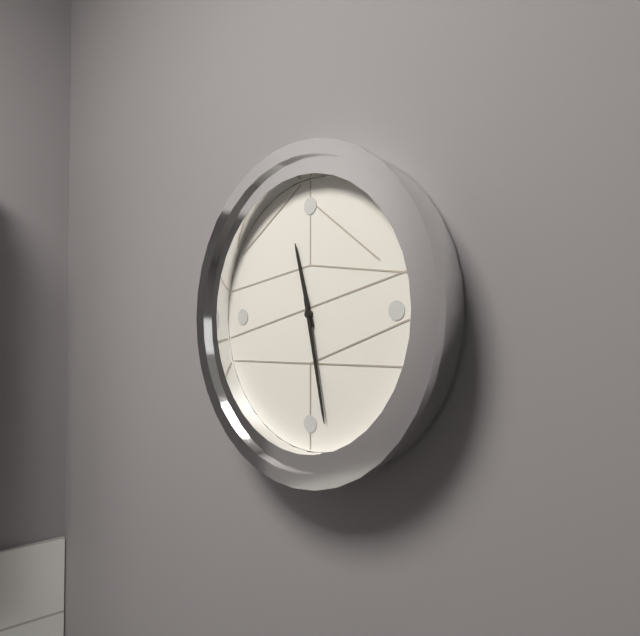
11:28
